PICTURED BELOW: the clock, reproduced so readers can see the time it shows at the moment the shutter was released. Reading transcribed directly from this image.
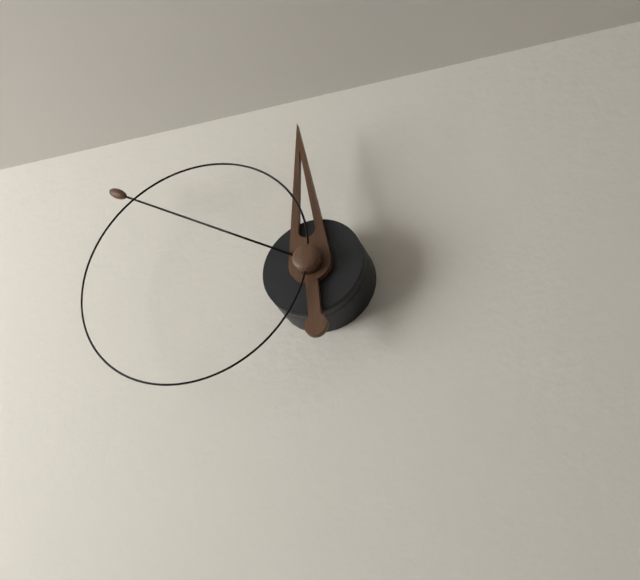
11:50:46
